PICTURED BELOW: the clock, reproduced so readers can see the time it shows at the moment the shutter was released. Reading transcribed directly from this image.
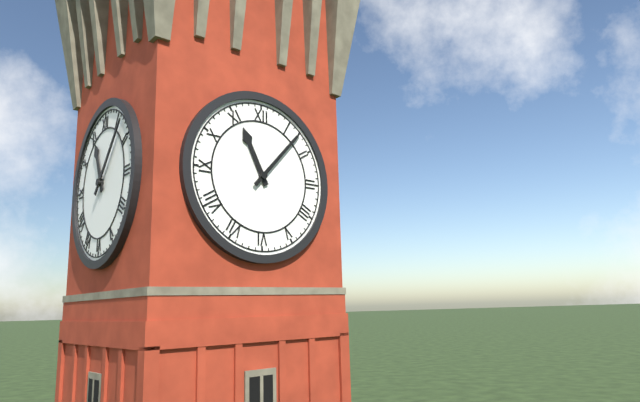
11:07
